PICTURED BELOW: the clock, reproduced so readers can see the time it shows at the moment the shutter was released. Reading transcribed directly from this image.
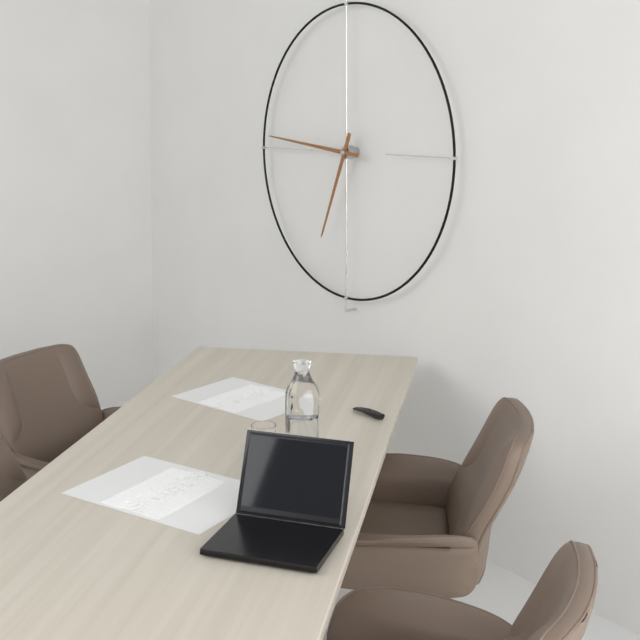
6:46
